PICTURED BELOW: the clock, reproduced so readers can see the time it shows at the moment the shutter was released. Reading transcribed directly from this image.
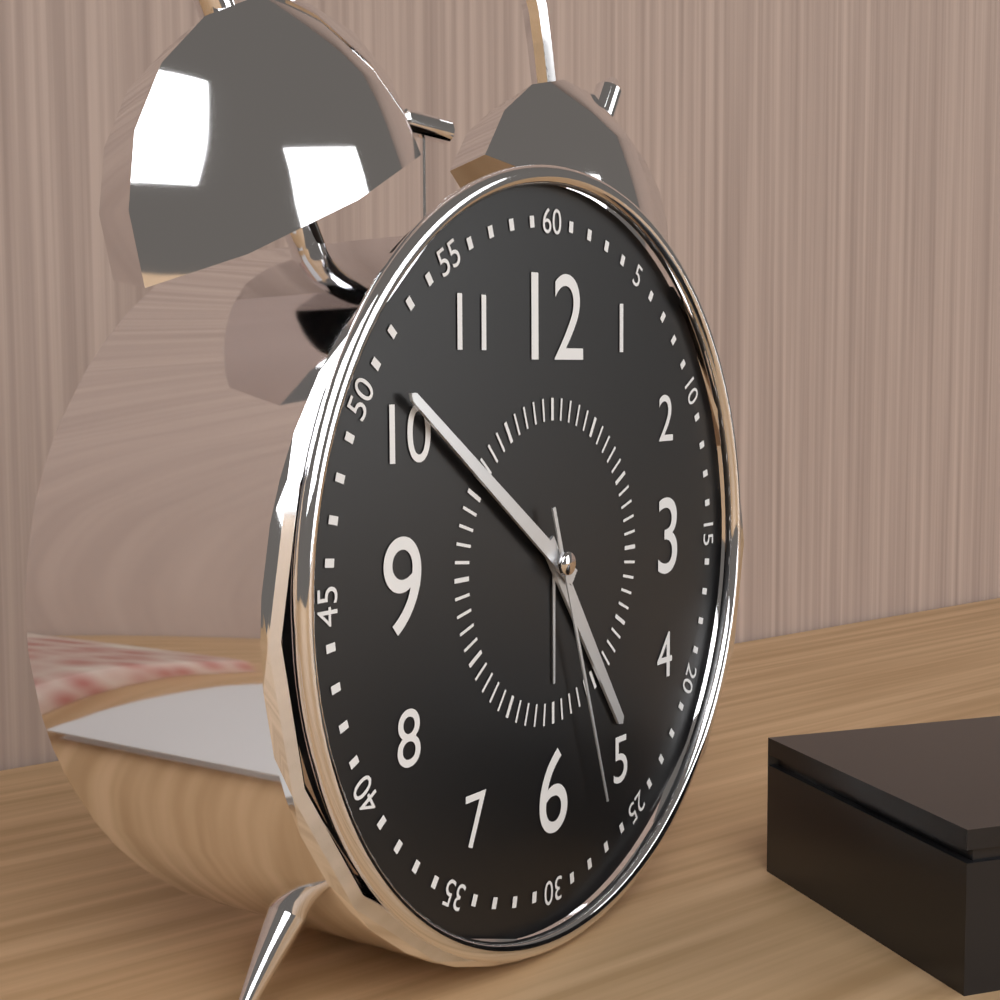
4:51:27
